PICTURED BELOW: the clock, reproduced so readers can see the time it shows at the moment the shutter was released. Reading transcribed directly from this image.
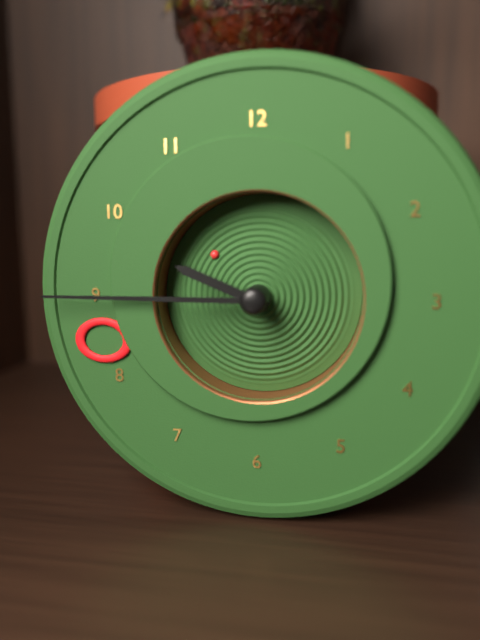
9:45:52
